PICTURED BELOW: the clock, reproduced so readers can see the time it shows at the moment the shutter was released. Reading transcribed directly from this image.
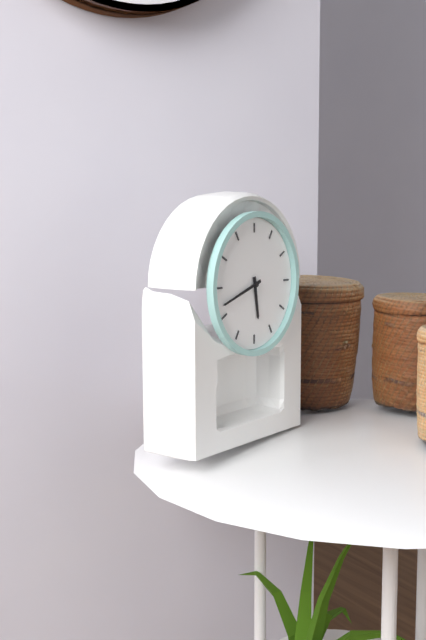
5:42
